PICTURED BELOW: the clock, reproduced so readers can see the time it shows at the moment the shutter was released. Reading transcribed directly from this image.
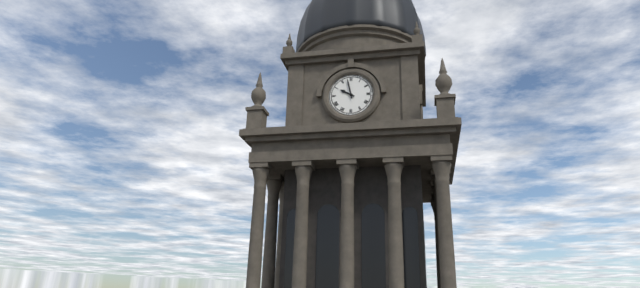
9:58
